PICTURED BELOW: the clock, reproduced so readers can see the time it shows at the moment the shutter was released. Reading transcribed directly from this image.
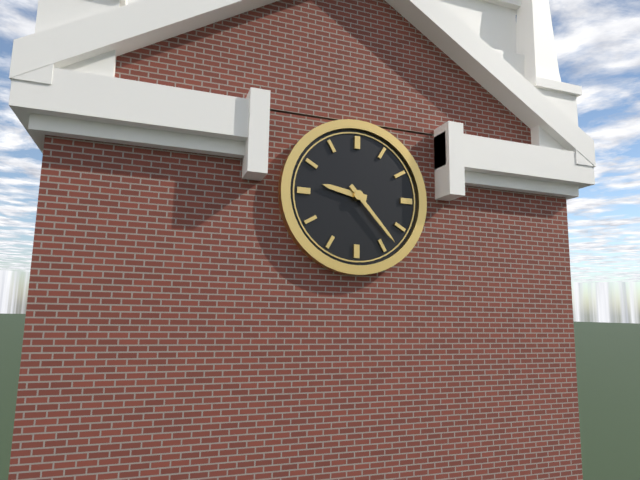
9:23
